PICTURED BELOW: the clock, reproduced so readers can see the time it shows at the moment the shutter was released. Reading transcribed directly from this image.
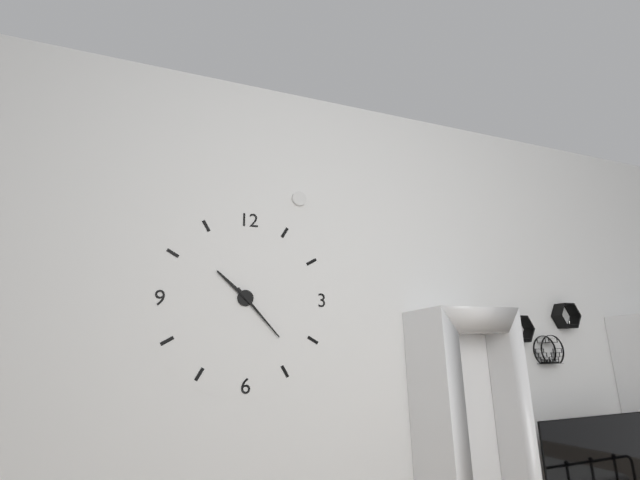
10:23
